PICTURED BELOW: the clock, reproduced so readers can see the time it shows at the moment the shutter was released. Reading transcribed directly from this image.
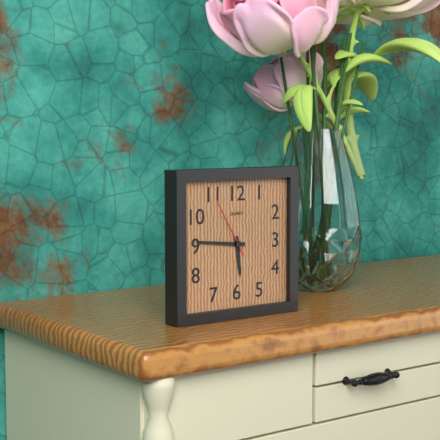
5:46:55
